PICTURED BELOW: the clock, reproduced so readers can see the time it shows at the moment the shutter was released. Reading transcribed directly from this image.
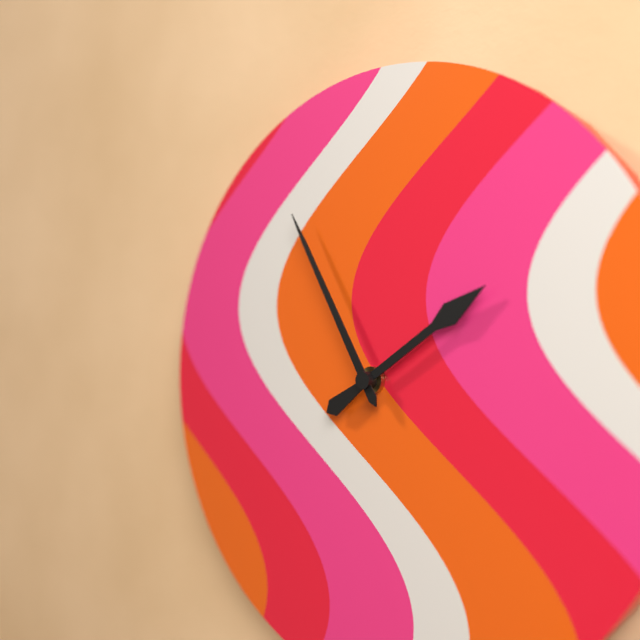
1:55
